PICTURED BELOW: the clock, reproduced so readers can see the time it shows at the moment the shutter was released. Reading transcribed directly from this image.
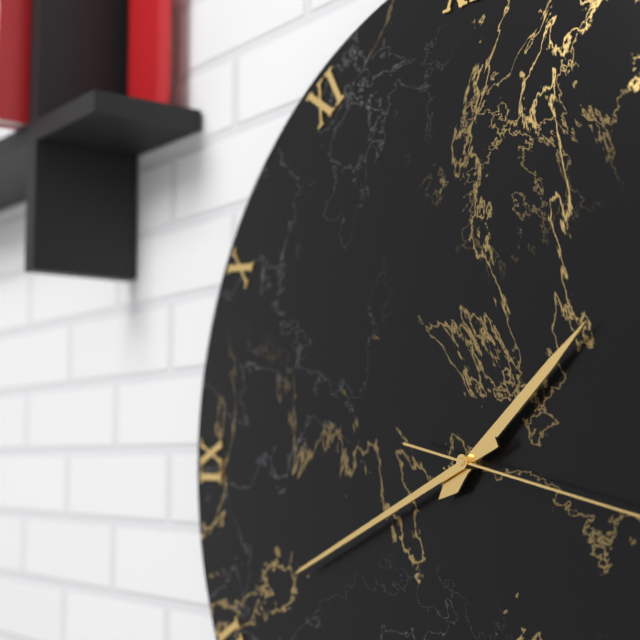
1:41
